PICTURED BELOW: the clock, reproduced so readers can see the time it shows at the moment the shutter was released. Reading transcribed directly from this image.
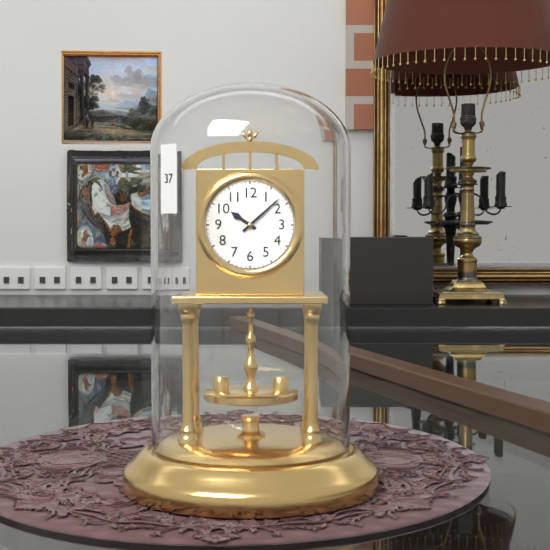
10:08
